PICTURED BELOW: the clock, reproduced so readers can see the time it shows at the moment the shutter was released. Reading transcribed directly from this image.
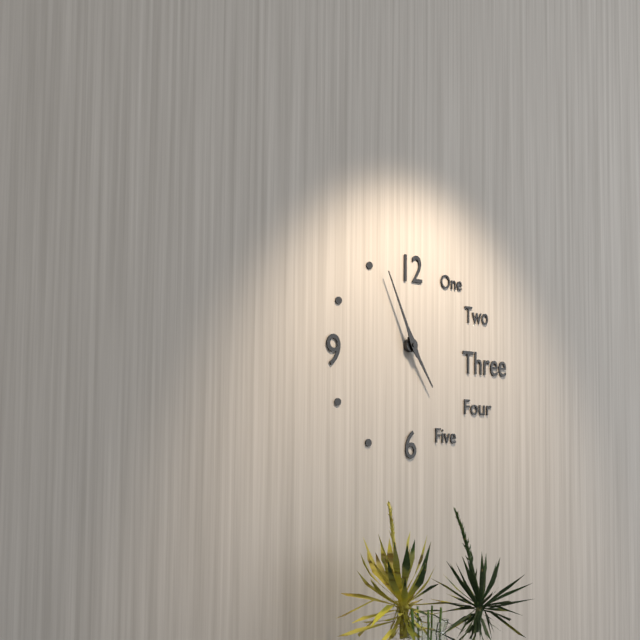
4:56
